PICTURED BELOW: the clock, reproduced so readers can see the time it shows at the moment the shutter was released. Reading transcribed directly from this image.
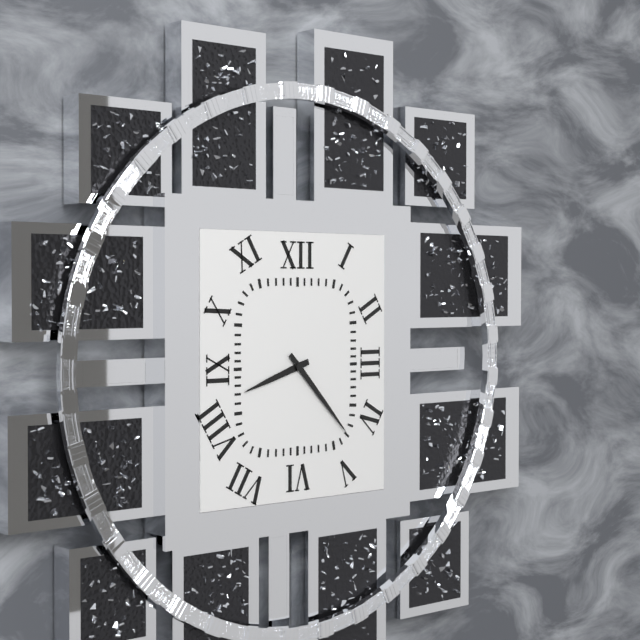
8:23
